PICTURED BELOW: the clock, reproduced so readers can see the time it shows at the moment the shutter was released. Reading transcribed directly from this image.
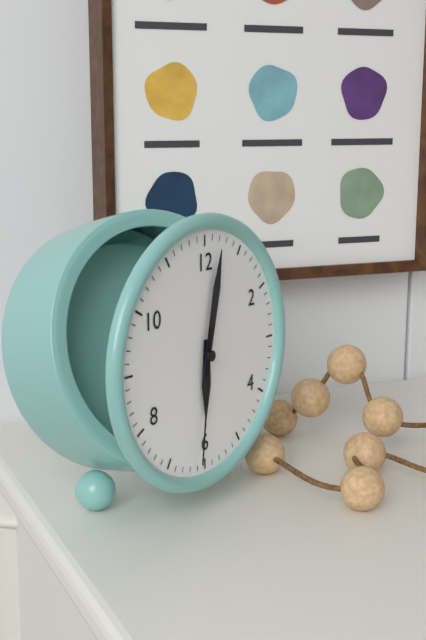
6:02:31
